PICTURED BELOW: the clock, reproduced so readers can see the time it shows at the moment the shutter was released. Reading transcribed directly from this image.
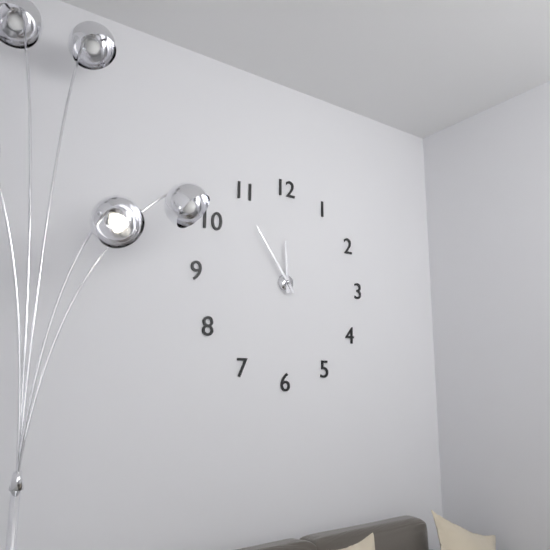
11:54
